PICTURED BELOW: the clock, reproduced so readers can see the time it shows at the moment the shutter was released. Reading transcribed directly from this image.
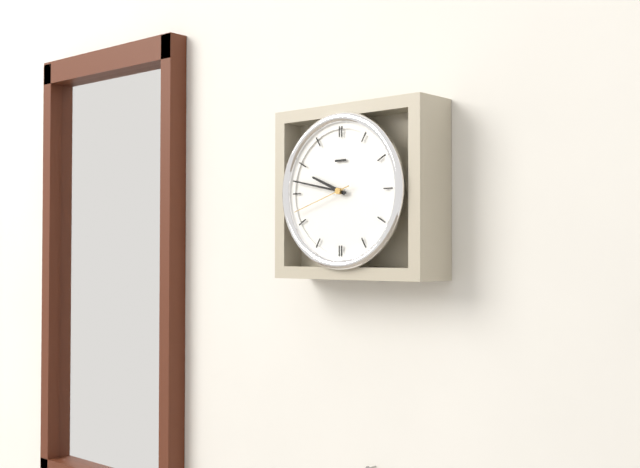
9:47:42
